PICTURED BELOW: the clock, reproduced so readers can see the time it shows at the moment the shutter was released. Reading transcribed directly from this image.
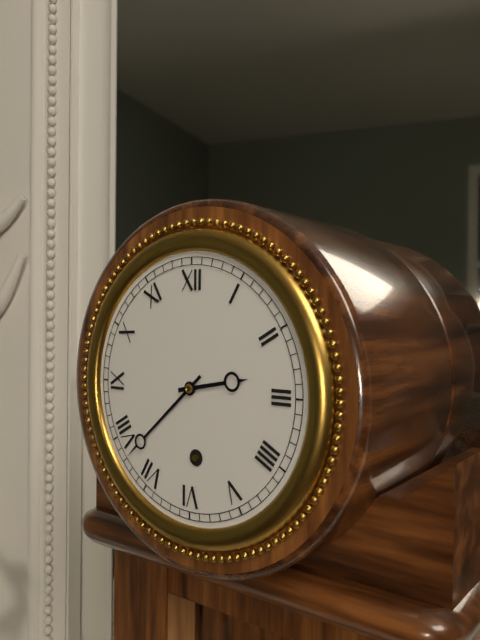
2:38
